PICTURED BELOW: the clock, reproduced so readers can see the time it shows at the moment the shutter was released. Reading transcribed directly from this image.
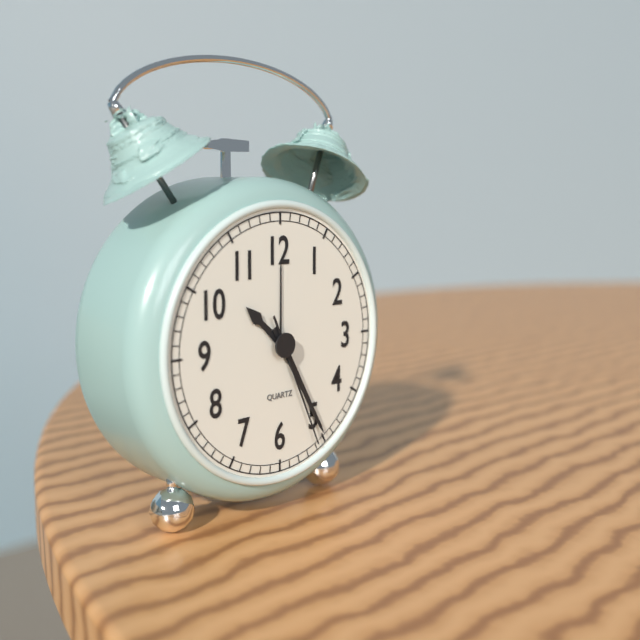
10:25:26
